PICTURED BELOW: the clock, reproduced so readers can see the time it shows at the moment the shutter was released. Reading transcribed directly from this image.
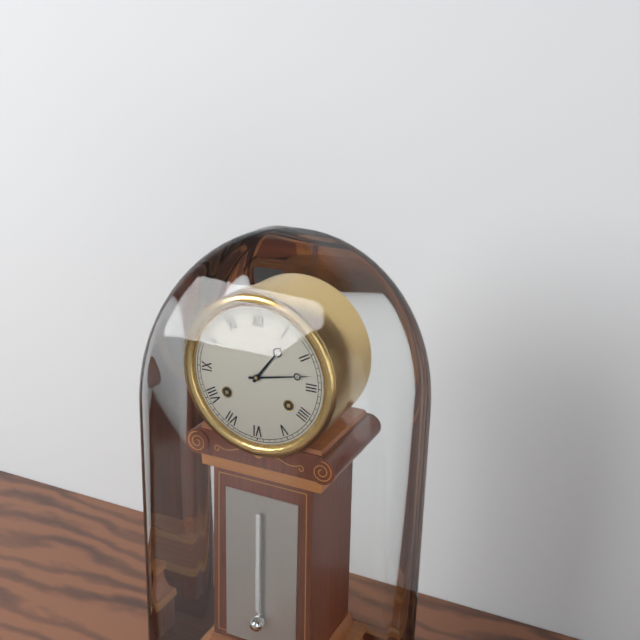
1:13
